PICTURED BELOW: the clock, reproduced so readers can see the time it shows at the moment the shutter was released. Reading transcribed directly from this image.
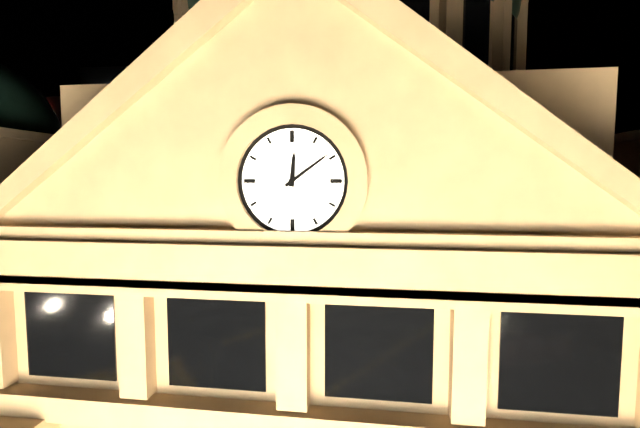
12:09
